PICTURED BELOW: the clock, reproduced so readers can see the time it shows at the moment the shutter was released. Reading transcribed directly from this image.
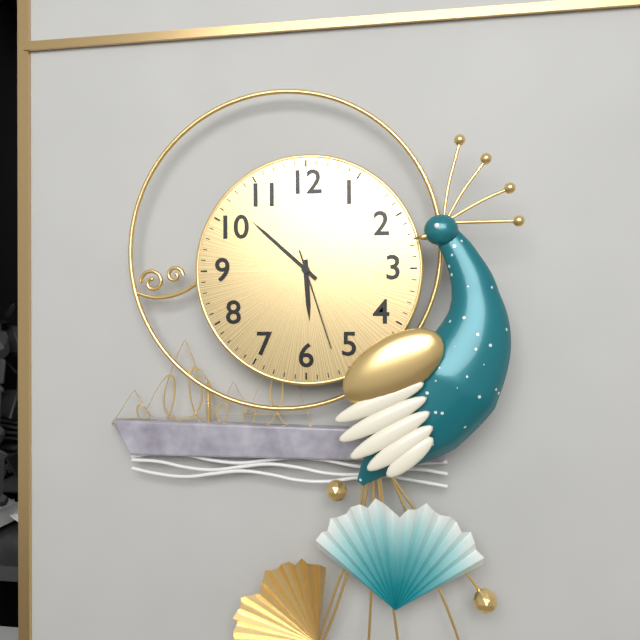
5:52:27
